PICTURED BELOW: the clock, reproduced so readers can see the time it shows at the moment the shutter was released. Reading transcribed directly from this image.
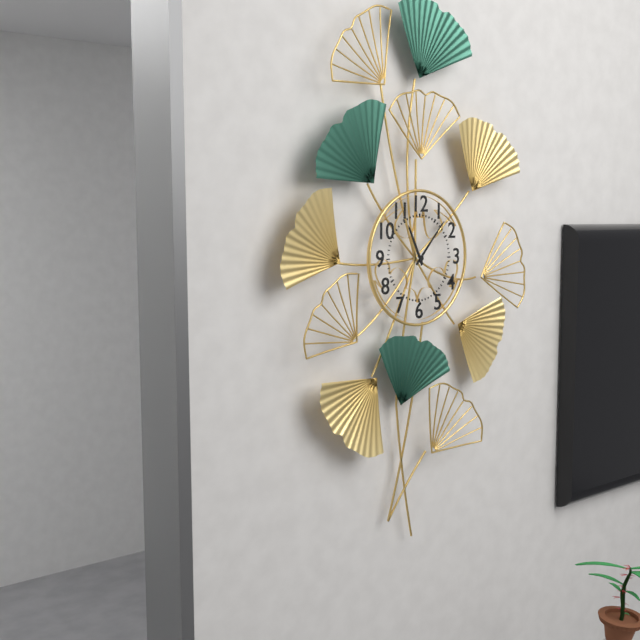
11:07
